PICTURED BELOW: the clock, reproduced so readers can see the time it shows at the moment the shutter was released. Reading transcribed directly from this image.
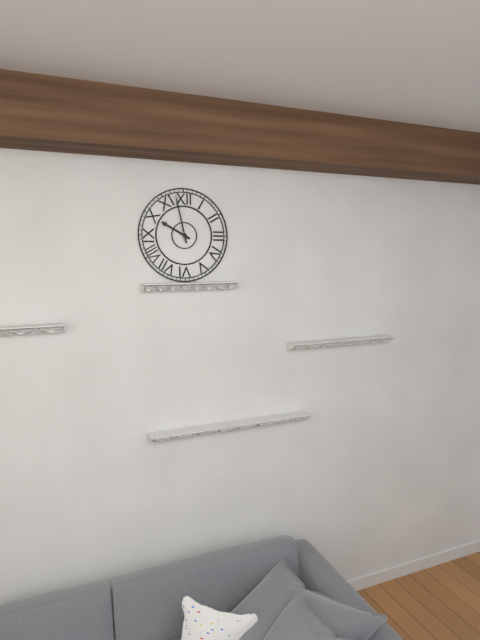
9:58
